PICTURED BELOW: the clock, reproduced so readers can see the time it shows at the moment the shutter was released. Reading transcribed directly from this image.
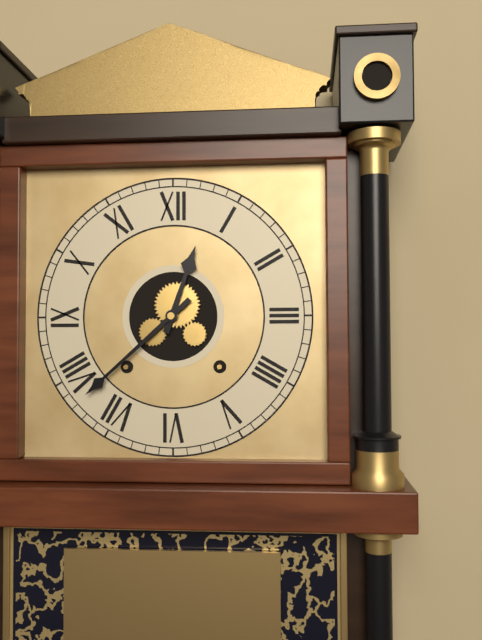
12:38
